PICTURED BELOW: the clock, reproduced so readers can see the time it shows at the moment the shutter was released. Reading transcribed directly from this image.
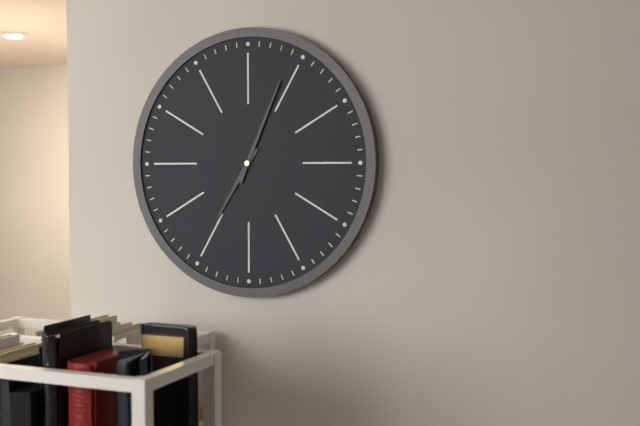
7:04
